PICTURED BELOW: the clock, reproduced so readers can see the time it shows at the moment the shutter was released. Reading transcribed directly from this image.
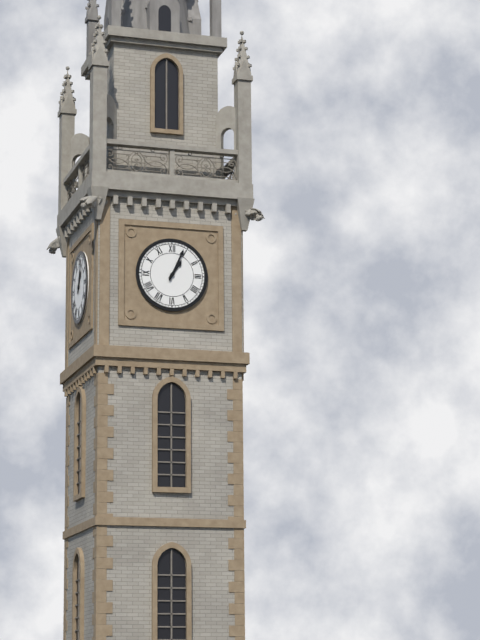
1:04
